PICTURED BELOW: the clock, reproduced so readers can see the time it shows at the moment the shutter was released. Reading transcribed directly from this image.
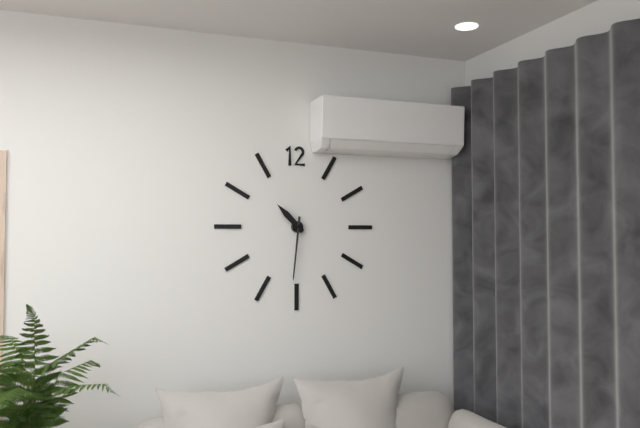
10:31
